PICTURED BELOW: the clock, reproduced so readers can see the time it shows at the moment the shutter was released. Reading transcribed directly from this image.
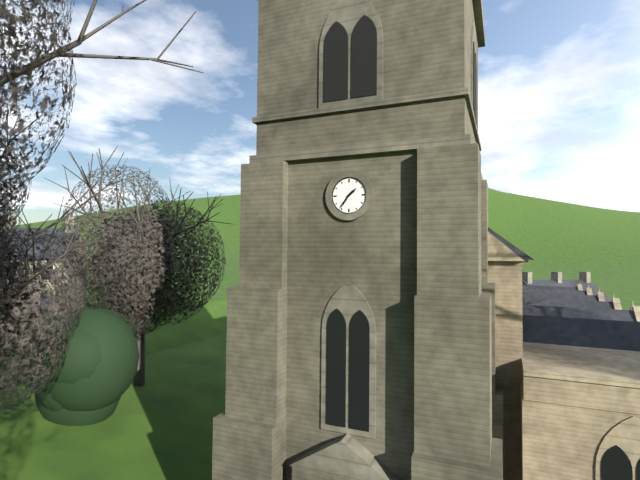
1:36
